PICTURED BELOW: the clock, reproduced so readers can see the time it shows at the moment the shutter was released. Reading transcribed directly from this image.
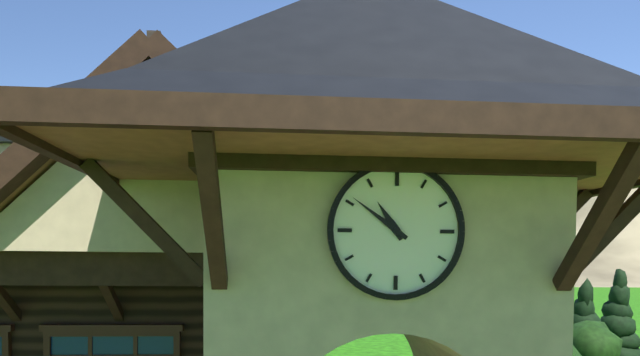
10:51
